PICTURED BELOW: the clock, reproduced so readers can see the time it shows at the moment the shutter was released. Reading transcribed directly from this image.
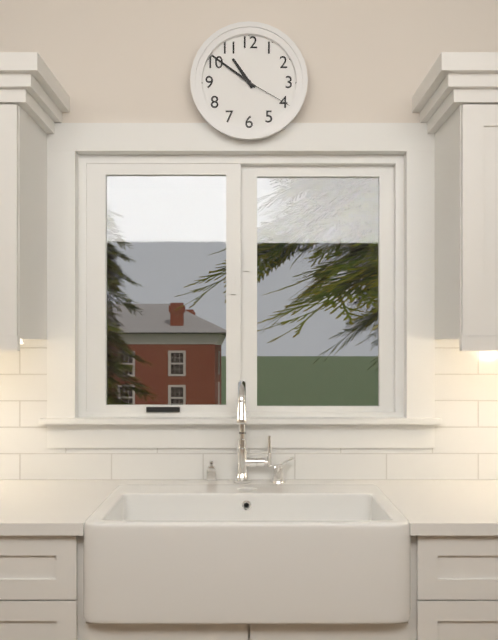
10:51:20
